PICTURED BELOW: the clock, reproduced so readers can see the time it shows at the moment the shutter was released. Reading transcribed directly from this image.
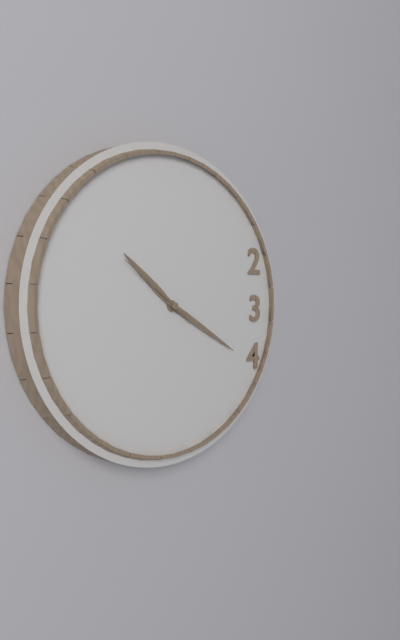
10:20:51
